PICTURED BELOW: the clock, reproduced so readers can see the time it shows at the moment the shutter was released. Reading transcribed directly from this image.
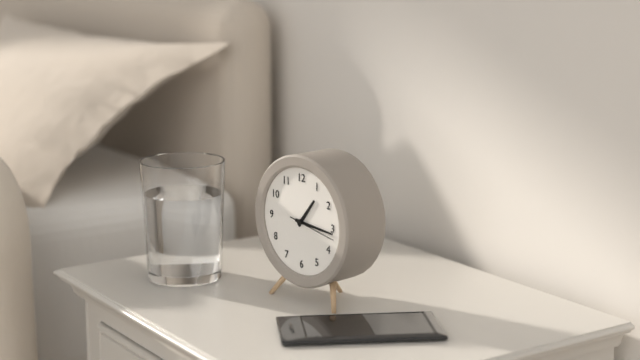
1:16
